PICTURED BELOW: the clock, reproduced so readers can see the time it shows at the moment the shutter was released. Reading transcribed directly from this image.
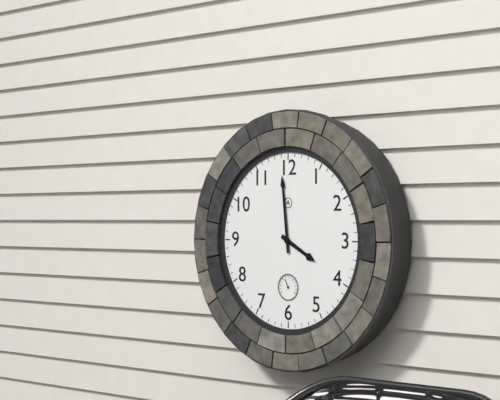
3:59
